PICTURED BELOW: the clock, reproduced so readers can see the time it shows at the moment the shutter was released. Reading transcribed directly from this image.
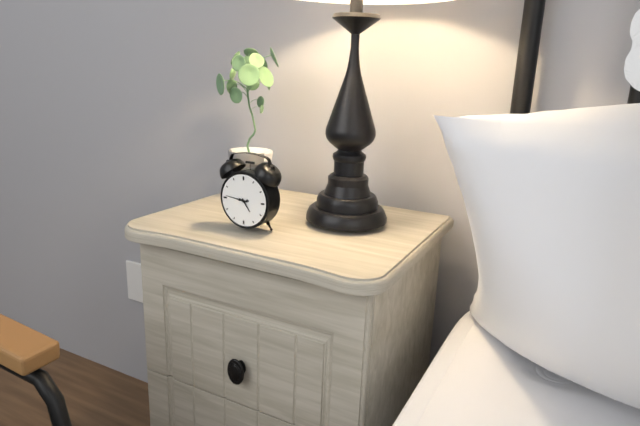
4:46
